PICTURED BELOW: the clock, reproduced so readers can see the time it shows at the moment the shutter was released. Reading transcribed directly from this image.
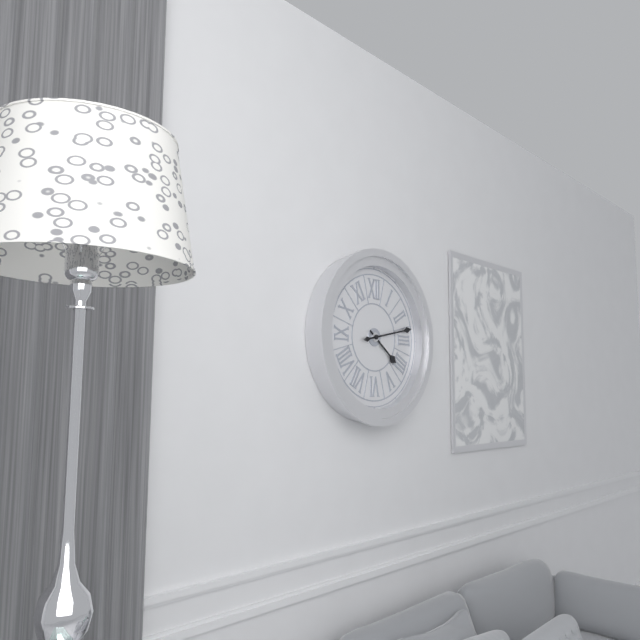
4:13
